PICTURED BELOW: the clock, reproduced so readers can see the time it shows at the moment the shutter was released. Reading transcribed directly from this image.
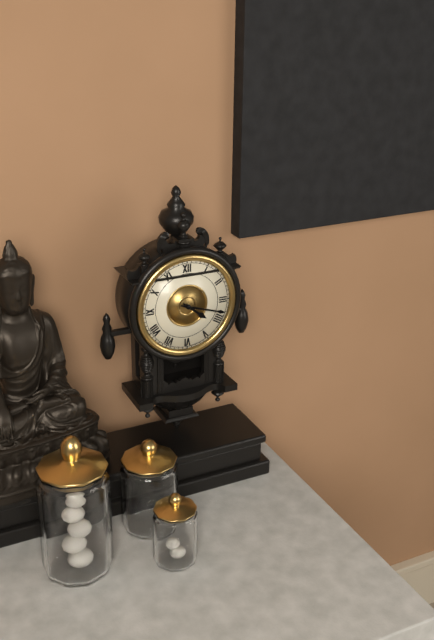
4:18
